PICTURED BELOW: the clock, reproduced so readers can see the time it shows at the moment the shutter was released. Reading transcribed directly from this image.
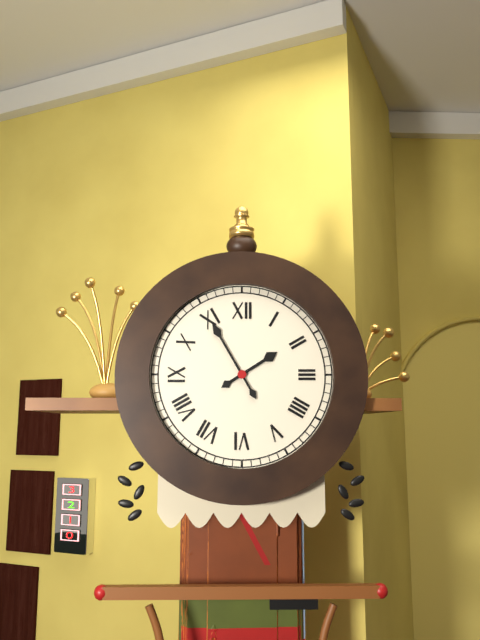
1:55
